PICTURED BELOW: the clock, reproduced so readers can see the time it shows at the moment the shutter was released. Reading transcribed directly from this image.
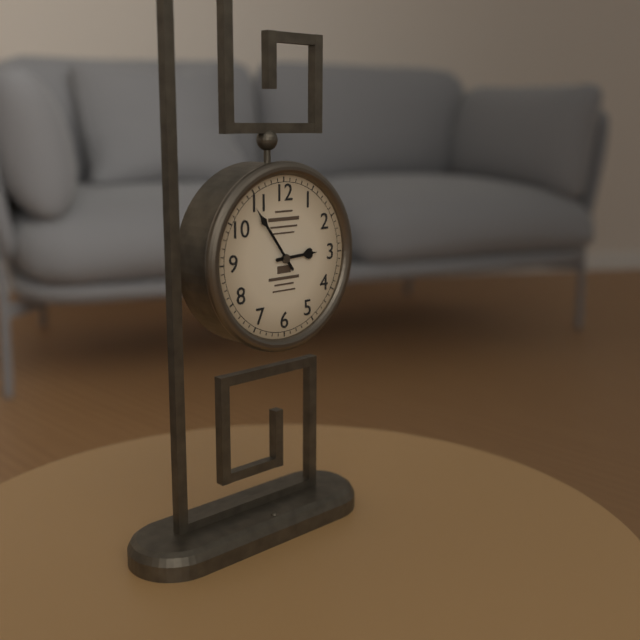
2:54
